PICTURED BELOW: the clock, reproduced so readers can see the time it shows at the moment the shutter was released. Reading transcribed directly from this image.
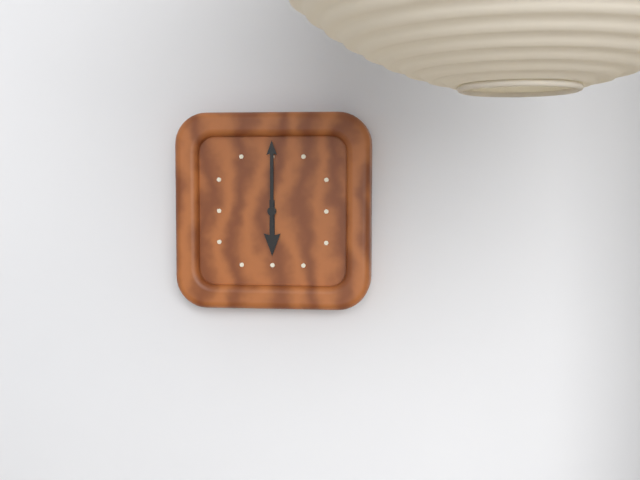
6:00
